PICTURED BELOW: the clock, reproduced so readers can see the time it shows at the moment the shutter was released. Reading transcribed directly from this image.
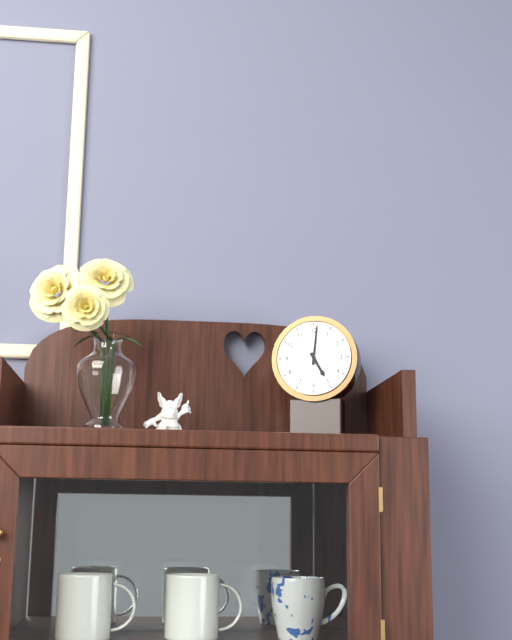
5:01
